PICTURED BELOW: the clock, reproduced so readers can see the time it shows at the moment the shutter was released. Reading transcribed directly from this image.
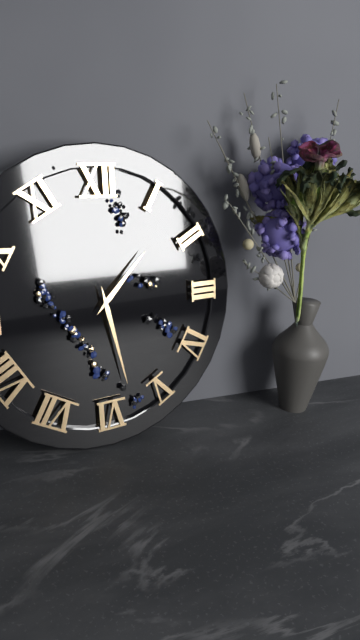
1:28
